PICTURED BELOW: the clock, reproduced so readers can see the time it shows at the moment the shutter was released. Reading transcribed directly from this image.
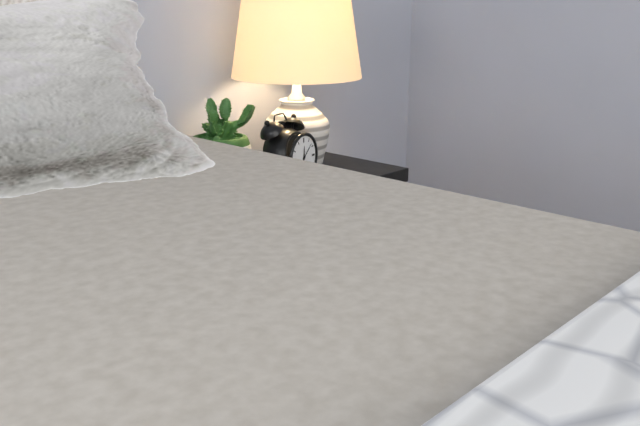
12:08
